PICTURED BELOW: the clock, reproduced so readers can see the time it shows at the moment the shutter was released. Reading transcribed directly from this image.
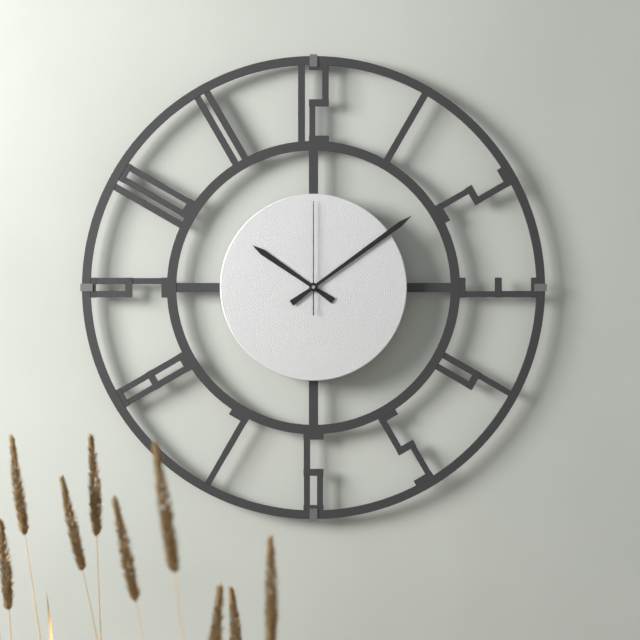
10:09:00
